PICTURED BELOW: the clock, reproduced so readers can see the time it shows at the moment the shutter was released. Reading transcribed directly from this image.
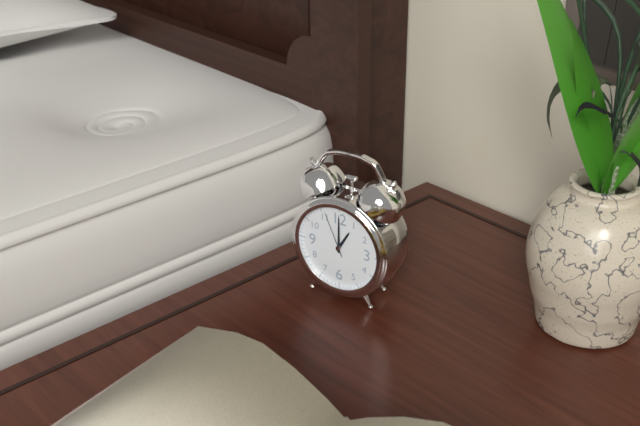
1:00
